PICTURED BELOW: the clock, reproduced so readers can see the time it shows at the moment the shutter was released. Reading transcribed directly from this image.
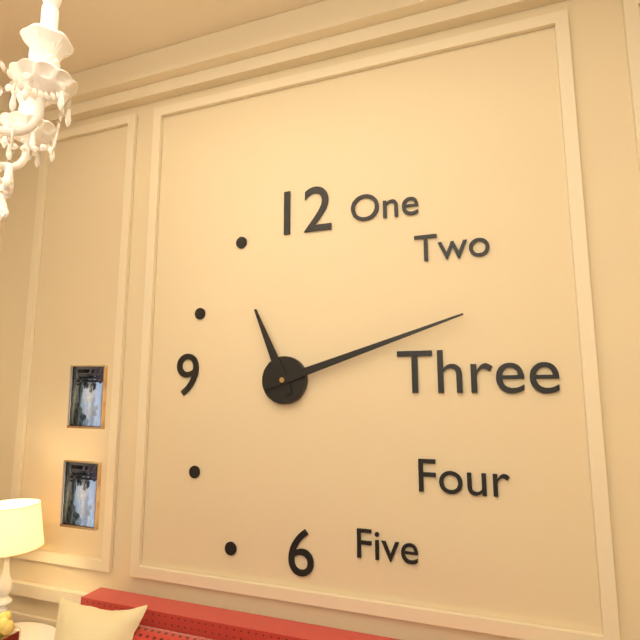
11:12
